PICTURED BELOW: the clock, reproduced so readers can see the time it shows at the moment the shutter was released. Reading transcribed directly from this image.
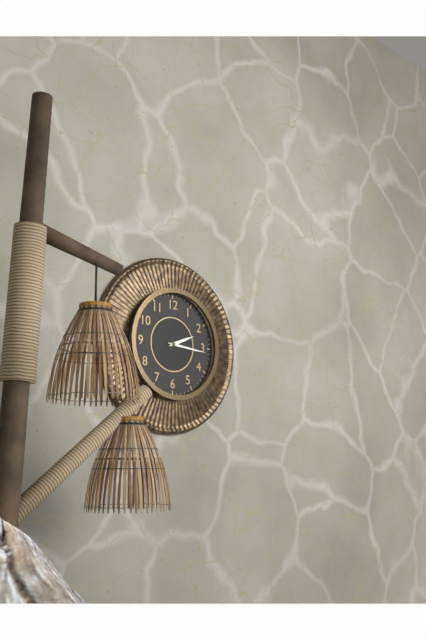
2:16
